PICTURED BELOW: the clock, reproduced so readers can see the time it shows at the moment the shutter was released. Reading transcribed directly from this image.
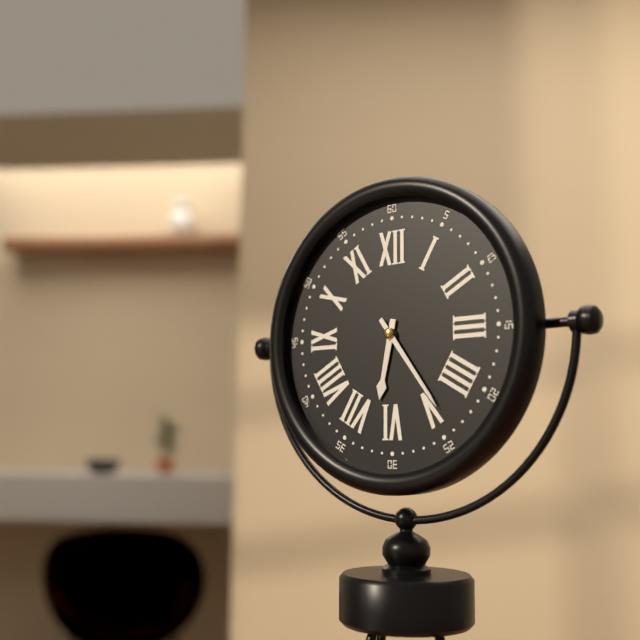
6:24
